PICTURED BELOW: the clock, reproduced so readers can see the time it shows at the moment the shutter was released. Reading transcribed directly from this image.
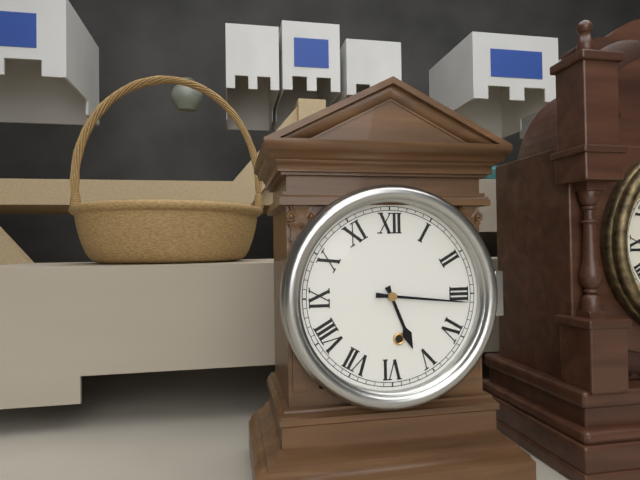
5:16
